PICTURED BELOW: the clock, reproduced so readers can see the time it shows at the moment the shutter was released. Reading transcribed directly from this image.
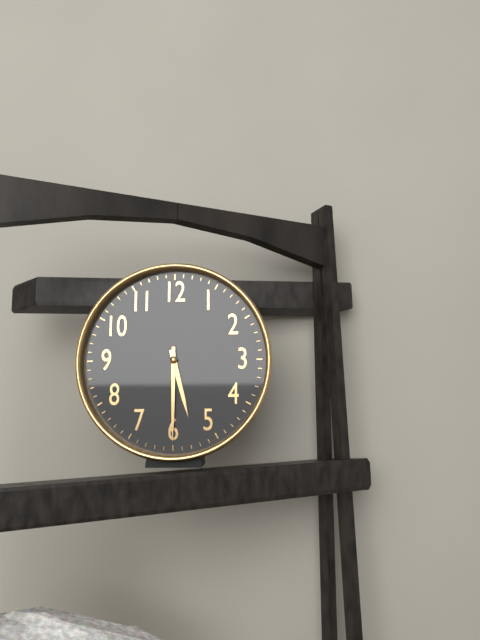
5:30
